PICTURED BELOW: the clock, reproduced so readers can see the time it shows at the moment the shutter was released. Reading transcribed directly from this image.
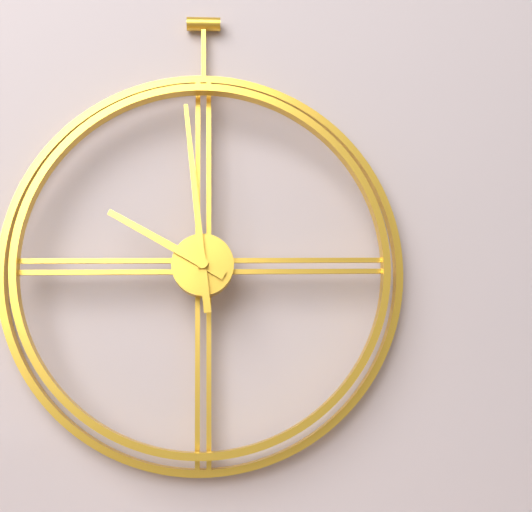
9:59
